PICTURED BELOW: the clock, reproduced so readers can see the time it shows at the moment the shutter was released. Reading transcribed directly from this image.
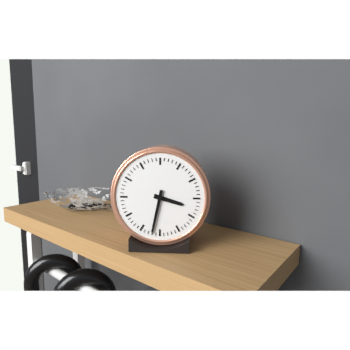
3:32
